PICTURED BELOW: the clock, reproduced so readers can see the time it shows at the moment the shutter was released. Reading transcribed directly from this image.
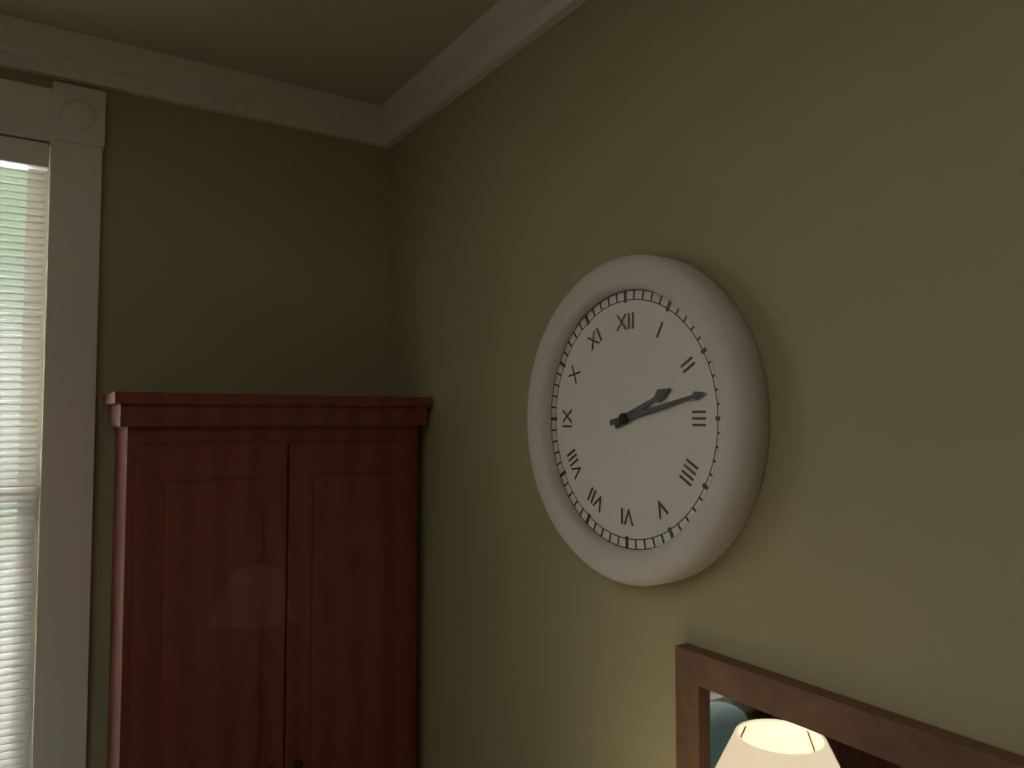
2:13
